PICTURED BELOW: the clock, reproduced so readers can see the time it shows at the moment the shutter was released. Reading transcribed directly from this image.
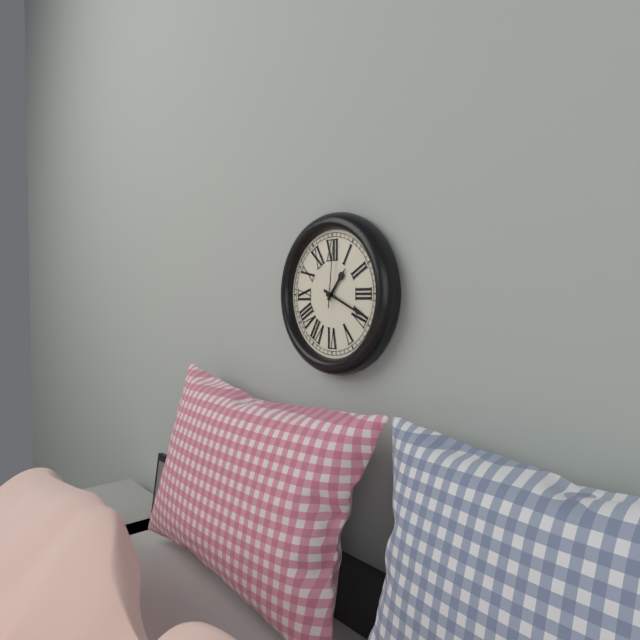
1:19:01
